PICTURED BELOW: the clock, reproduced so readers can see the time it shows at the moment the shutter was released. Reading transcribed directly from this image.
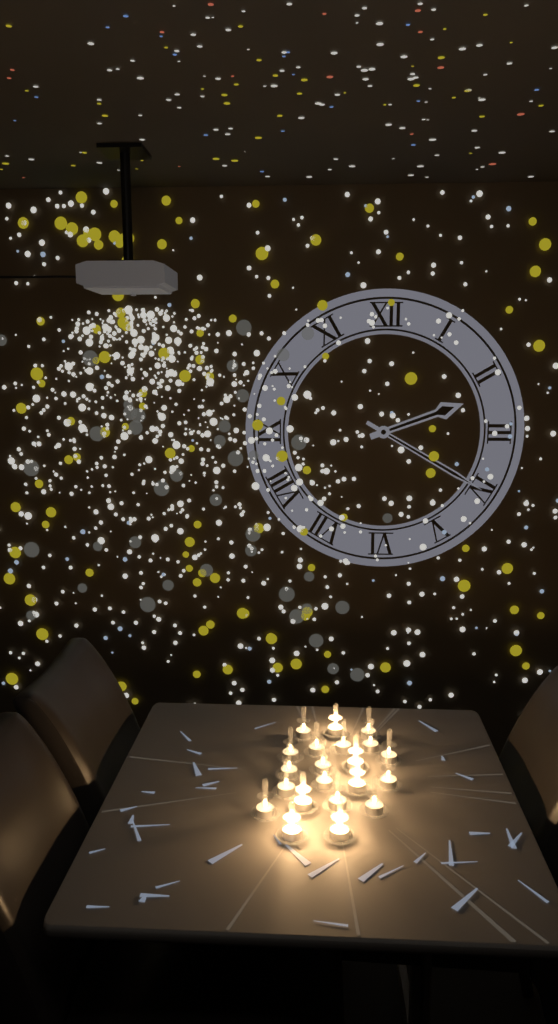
2:20
